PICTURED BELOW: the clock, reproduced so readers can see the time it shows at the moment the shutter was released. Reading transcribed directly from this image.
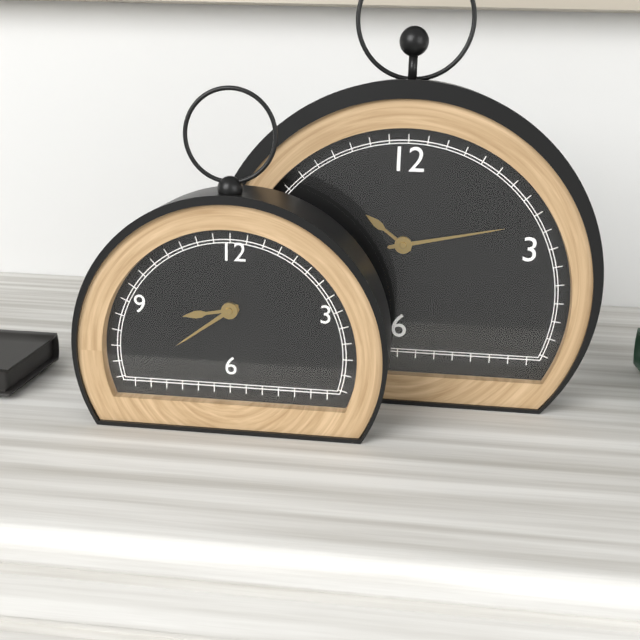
8:39
